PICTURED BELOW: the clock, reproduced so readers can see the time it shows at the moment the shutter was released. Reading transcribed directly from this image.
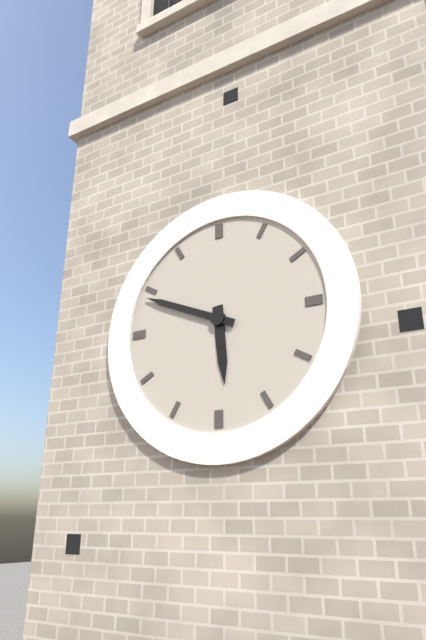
5:49
